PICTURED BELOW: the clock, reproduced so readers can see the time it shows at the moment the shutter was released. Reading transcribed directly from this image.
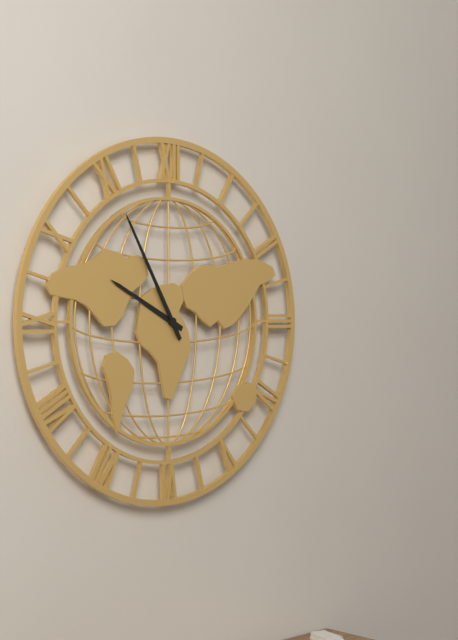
9:55
